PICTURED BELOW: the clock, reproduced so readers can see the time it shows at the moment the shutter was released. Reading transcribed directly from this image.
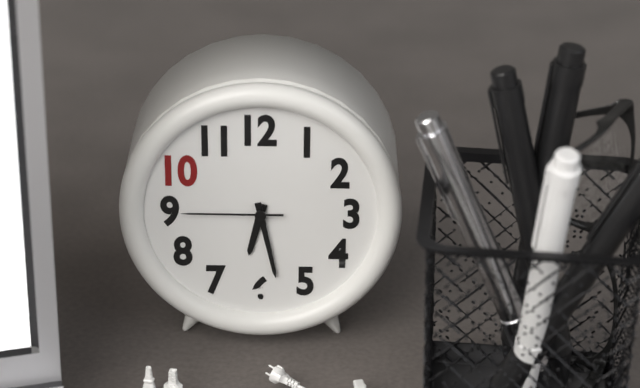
6:28:45
